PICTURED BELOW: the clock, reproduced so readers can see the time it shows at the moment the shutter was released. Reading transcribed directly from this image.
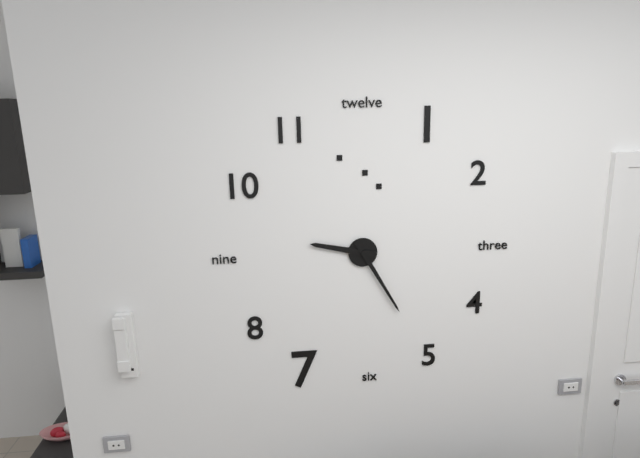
9:25
